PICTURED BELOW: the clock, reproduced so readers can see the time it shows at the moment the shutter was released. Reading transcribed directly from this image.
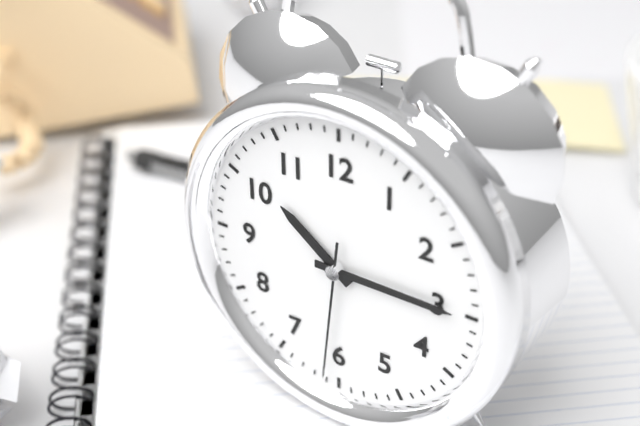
10:15:31
